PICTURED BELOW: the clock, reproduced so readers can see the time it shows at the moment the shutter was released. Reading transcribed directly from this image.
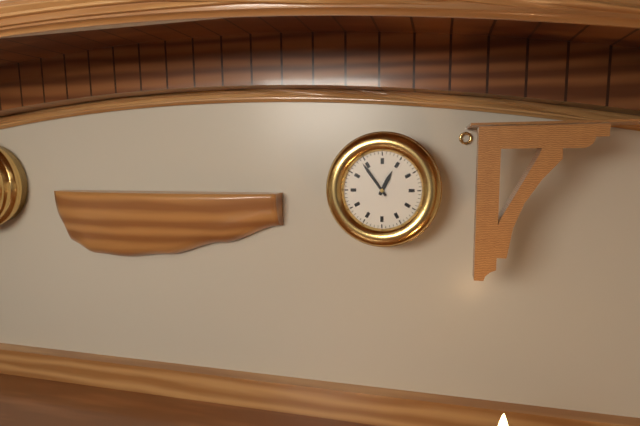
12:54
